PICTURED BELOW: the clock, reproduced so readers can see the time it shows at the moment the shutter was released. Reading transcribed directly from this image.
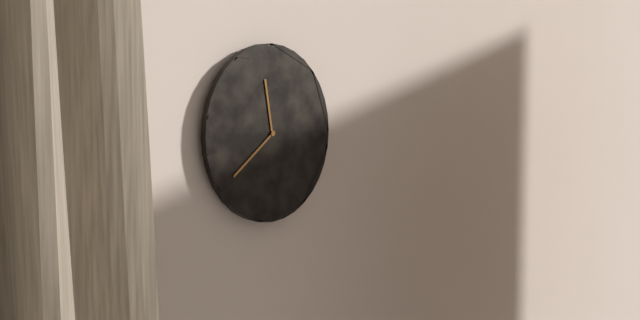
11:39
